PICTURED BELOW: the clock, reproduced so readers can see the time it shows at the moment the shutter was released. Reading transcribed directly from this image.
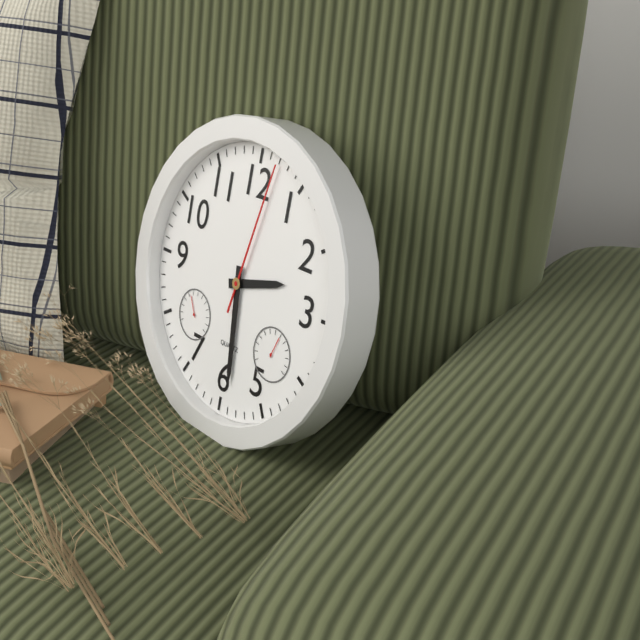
2:29:02
